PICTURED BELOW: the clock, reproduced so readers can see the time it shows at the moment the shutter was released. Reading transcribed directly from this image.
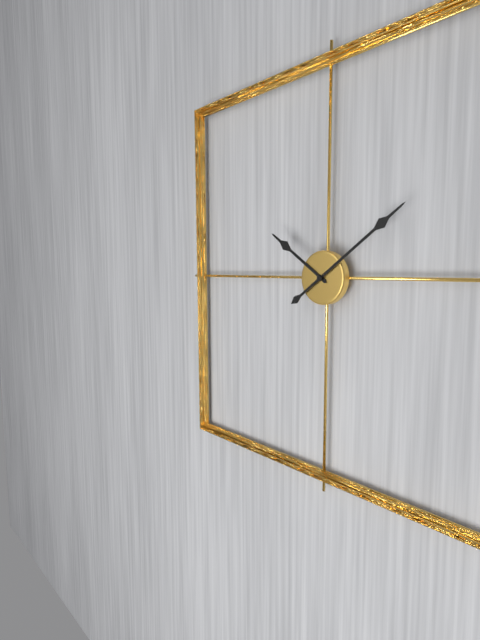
10:09
